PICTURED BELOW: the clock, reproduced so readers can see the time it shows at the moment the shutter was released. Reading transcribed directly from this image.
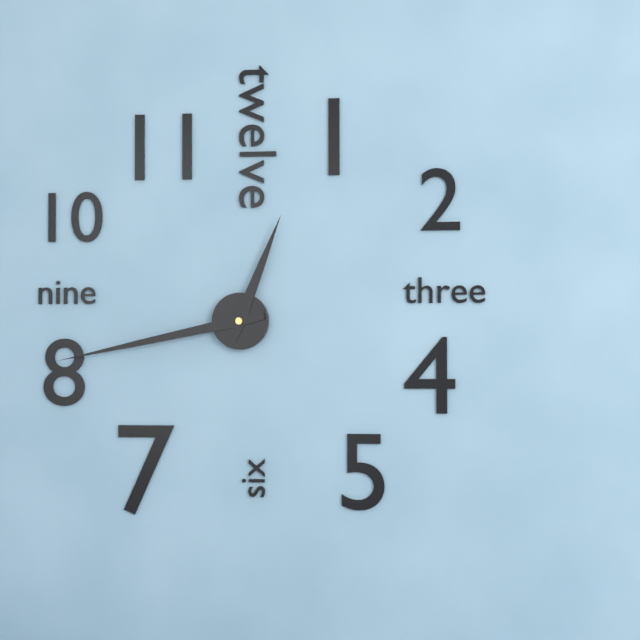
12:43
